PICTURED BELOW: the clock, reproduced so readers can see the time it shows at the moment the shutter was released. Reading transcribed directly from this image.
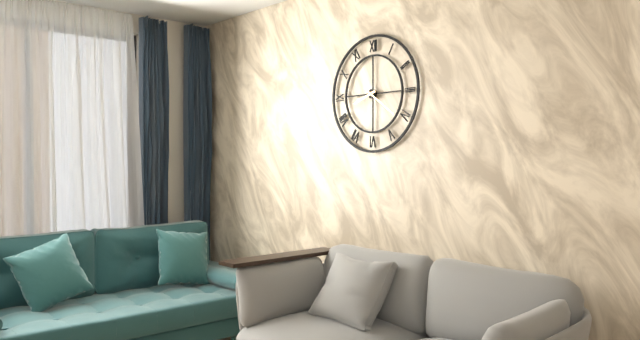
8:21
